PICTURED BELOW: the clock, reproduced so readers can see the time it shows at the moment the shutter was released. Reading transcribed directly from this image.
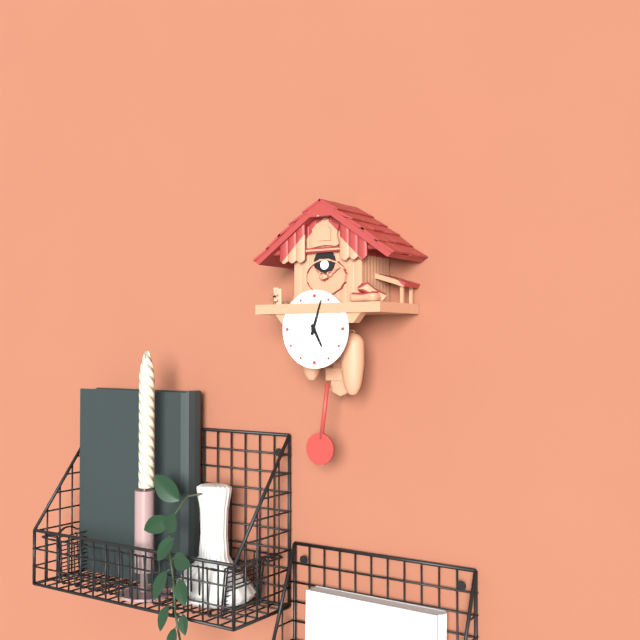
5:03
